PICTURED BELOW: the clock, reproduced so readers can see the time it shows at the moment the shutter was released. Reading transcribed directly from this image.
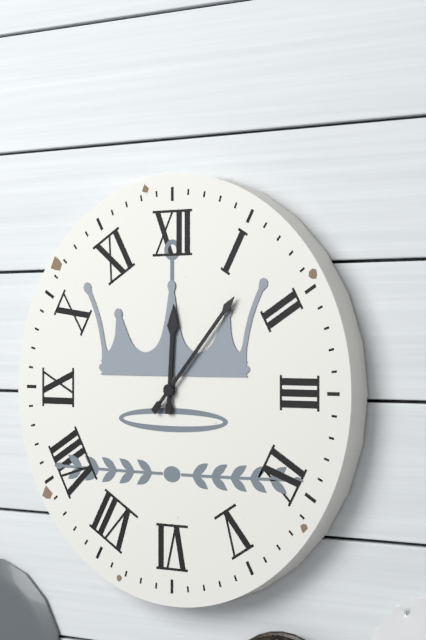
12:07
